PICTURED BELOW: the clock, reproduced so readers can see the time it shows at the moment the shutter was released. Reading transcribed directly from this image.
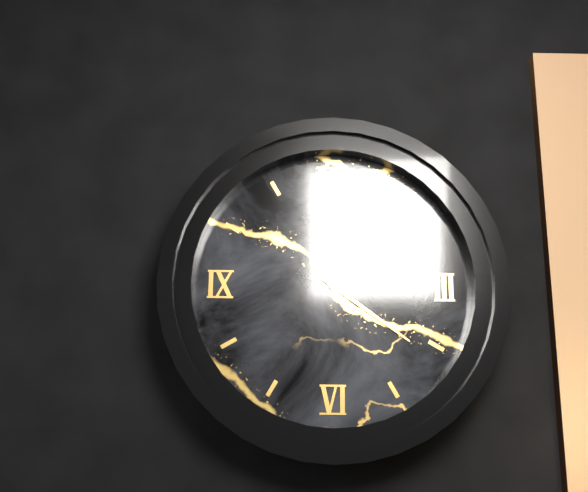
11:21
